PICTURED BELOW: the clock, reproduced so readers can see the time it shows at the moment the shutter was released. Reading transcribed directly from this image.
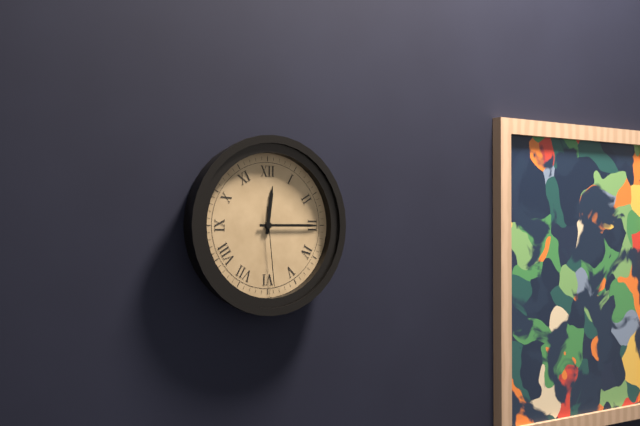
12:15:29
